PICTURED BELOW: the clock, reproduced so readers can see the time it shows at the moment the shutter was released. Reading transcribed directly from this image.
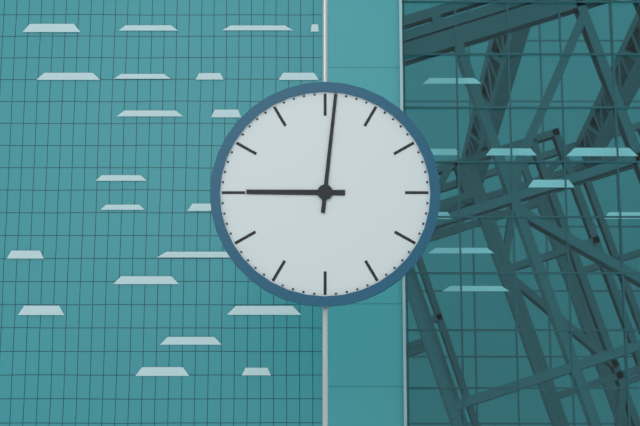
9:01
